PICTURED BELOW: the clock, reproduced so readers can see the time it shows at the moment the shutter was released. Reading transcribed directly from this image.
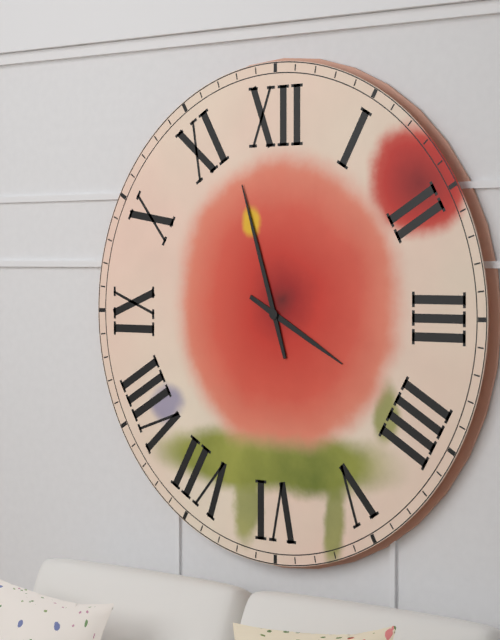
3:57
